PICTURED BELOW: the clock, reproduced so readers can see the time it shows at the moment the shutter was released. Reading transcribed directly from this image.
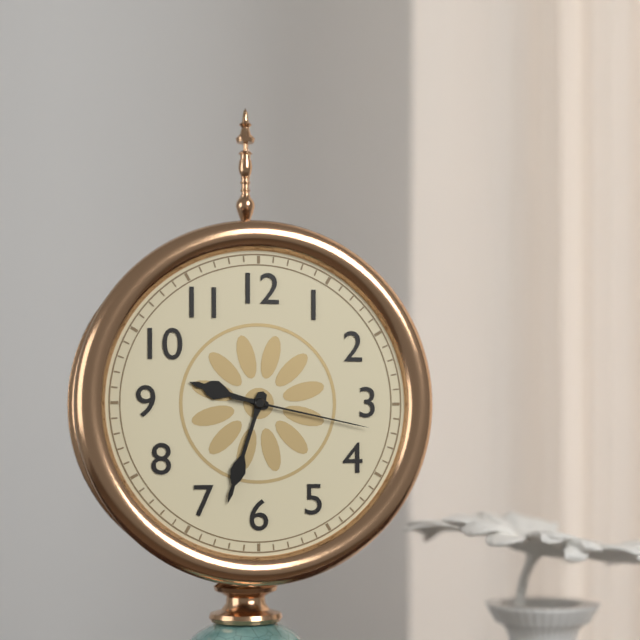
9:33:17
